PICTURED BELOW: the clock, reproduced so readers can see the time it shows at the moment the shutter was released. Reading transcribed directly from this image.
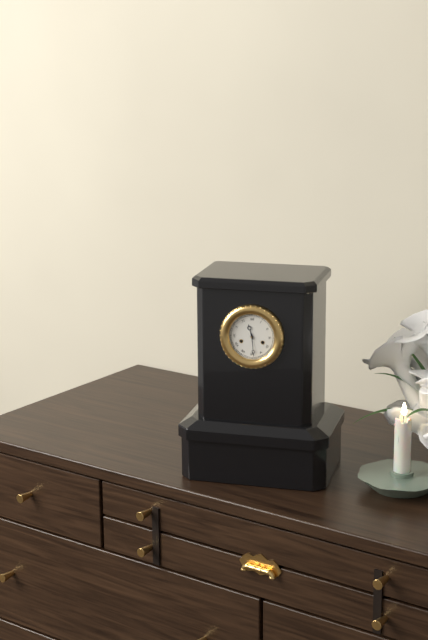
11:29
